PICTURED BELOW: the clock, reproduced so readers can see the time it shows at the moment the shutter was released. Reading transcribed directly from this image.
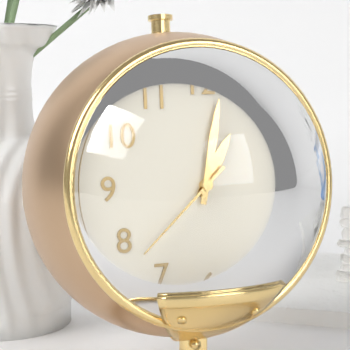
1:02:38
